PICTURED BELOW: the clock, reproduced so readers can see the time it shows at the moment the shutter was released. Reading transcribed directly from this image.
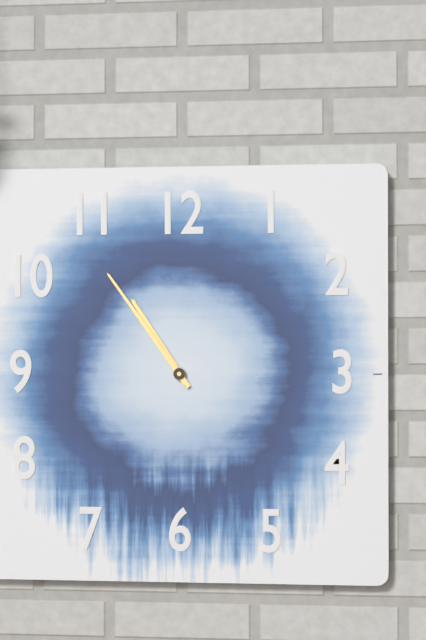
10:54
